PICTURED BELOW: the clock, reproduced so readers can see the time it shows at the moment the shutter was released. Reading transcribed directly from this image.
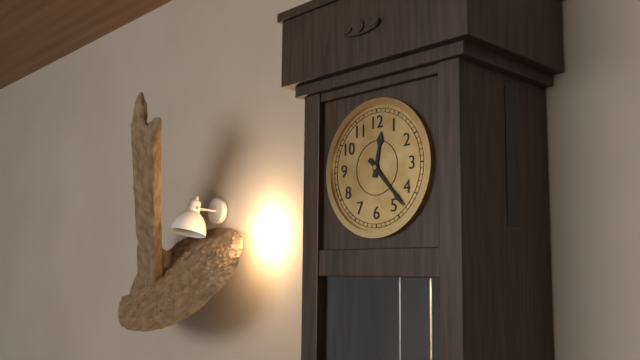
12:23
